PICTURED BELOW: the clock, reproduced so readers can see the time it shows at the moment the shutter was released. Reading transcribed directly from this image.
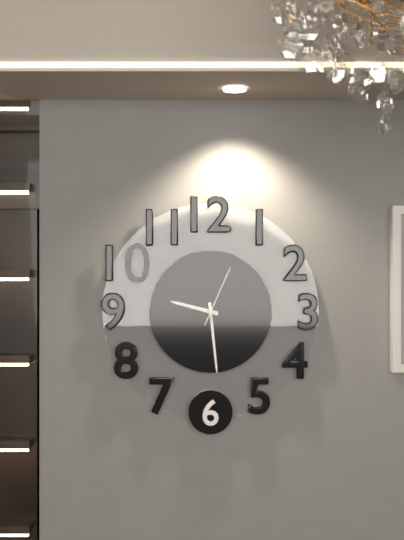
9:29:04
